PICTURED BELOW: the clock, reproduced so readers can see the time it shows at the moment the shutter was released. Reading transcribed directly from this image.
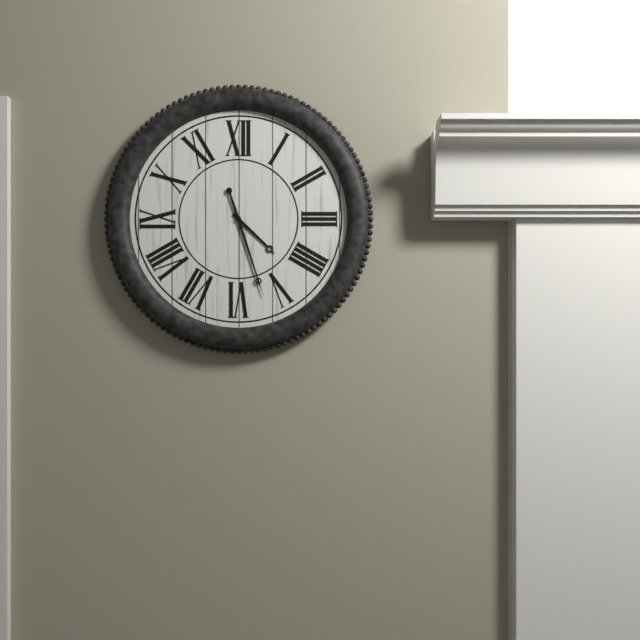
4:27
